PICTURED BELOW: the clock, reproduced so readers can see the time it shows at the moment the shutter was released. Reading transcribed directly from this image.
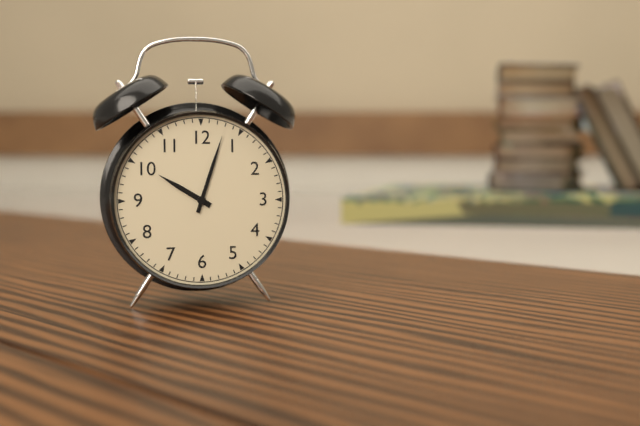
10:03
